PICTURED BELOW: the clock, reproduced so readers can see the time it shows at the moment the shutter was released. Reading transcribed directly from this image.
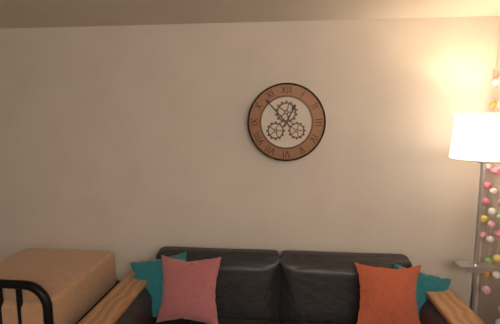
12:53
